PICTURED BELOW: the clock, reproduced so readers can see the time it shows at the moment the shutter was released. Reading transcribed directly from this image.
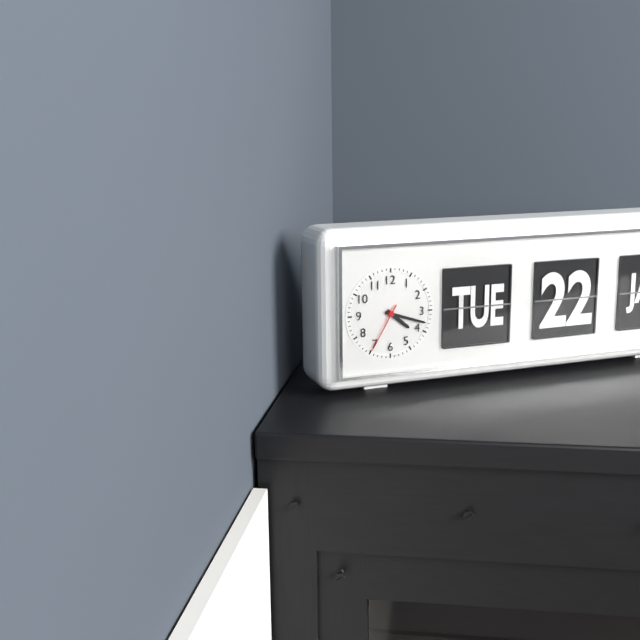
4:18:35
